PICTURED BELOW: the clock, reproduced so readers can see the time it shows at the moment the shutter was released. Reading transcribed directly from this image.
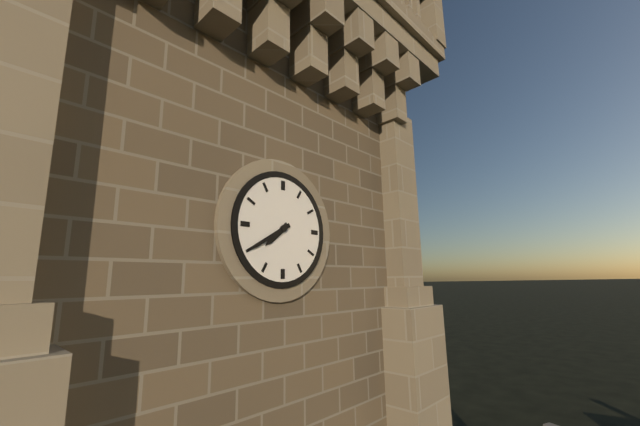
7:40
